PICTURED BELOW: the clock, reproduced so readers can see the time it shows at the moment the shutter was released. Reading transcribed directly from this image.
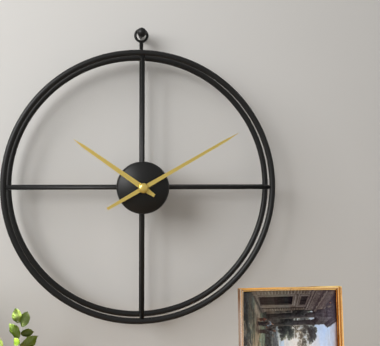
10:10
